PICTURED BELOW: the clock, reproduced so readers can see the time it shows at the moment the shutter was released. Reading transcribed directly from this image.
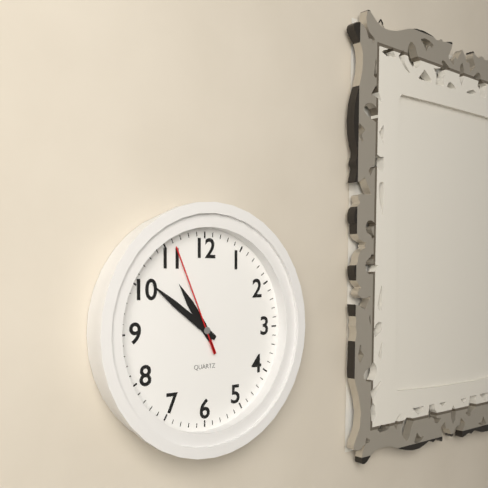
10:51:56
